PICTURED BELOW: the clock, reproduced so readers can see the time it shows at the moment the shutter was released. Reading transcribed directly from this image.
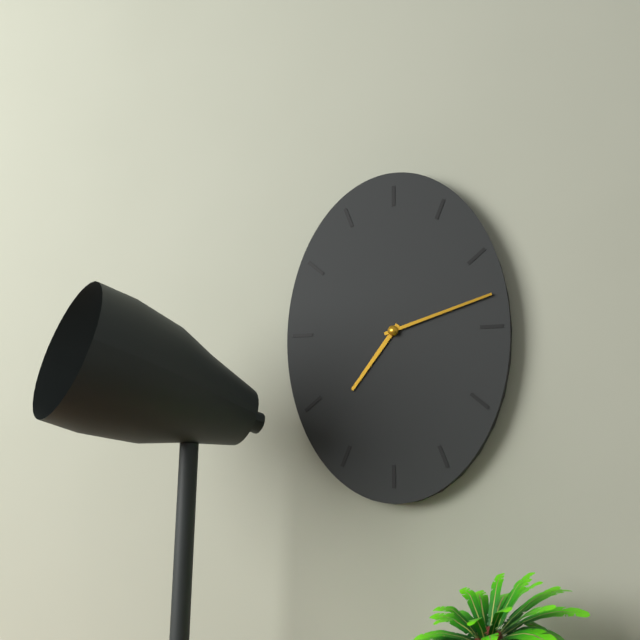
7:12
